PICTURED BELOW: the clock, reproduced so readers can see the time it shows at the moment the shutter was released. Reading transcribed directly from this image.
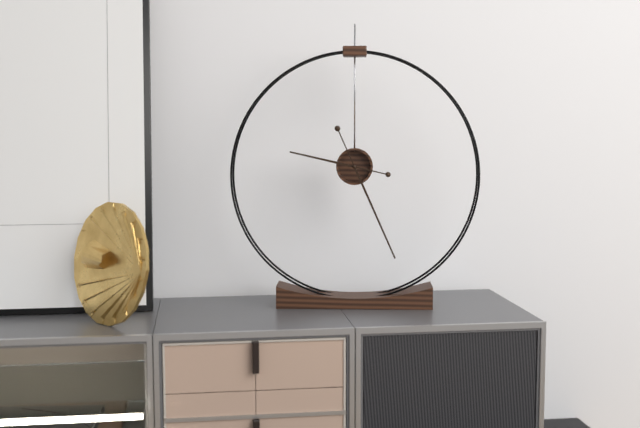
9:26
